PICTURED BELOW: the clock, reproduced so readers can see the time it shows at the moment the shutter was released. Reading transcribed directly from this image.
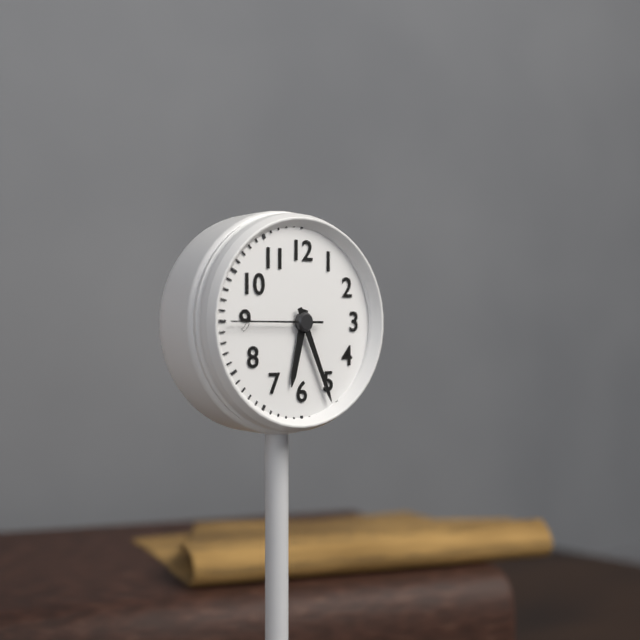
6:26:45
